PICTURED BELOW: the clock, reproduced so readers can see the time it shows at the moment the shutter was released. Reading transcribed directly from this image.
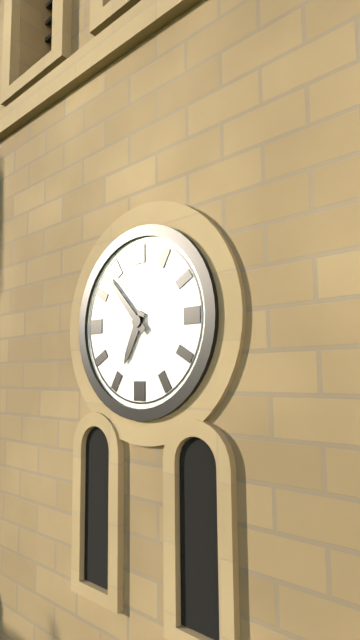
6:53
